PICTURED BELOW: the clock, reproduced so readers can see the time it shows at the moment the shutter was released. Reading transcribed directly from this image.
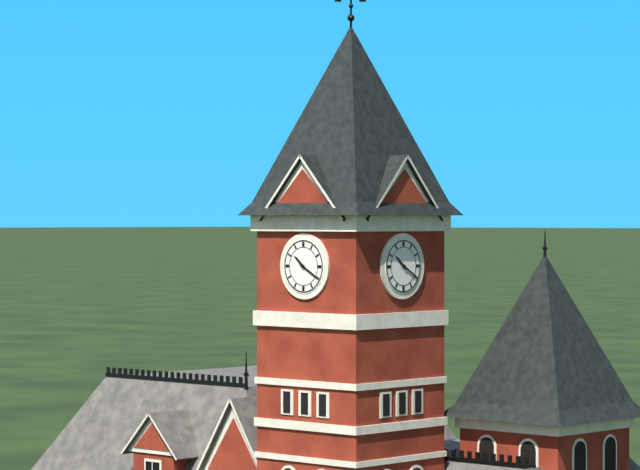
10:20
